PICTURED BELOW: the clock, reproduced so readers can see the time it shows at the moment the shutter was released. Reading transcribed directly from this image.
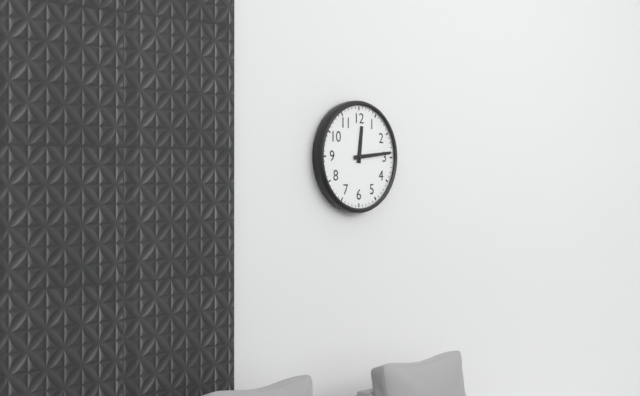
12:14
